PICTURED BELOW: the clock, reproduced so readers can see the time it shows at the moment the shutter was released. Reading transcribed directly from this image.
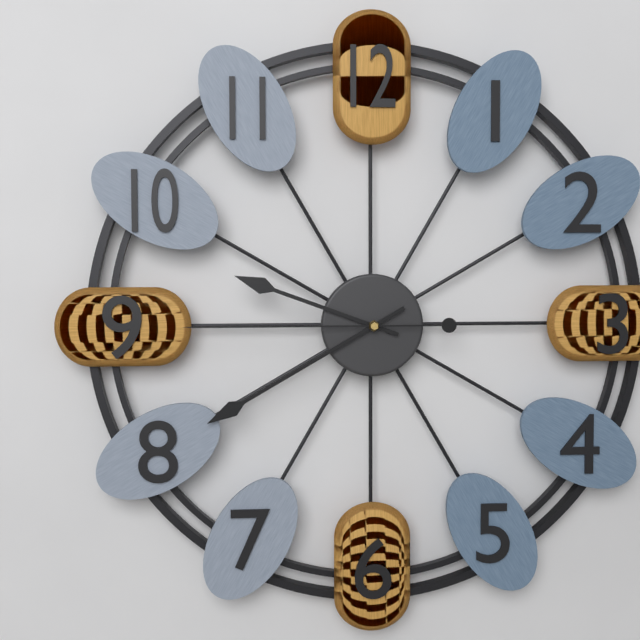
9:40:45
